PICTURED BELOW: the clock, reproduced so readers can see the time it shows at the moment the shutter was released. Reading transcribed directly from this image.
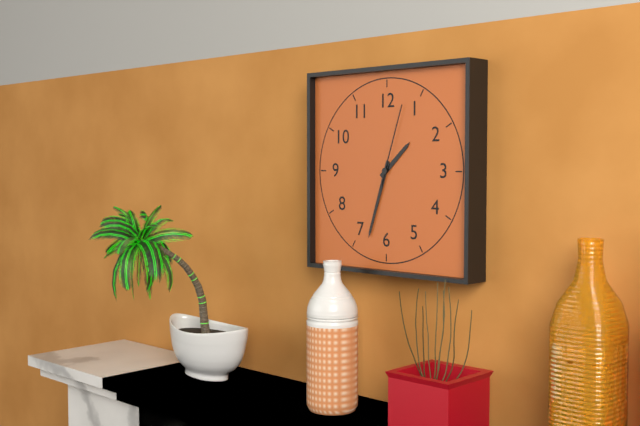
1:33:03
